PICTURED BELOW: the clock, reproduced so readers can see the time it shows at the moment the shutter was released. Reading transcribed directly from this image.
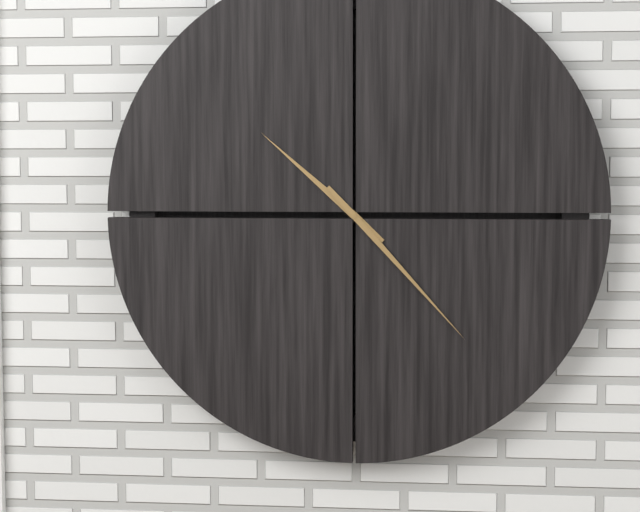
10:23
